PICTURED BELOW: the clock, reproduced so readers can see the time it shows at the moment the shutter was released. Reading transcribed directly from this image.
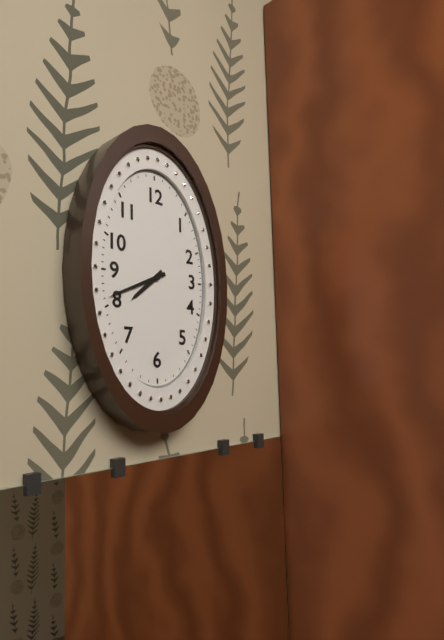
7:41
